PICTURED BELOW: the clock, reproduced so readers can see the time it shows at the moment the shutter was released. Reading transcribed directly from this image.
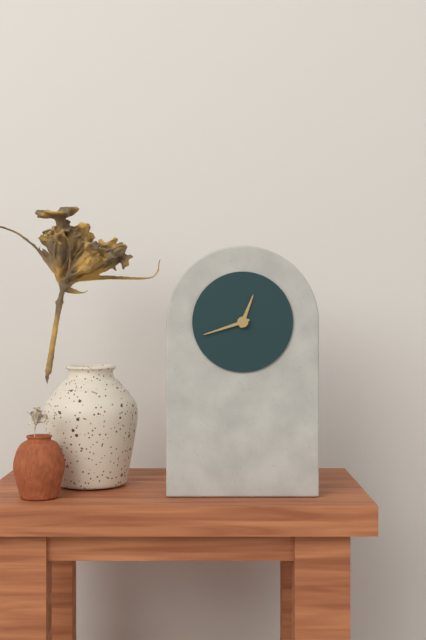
12:42
